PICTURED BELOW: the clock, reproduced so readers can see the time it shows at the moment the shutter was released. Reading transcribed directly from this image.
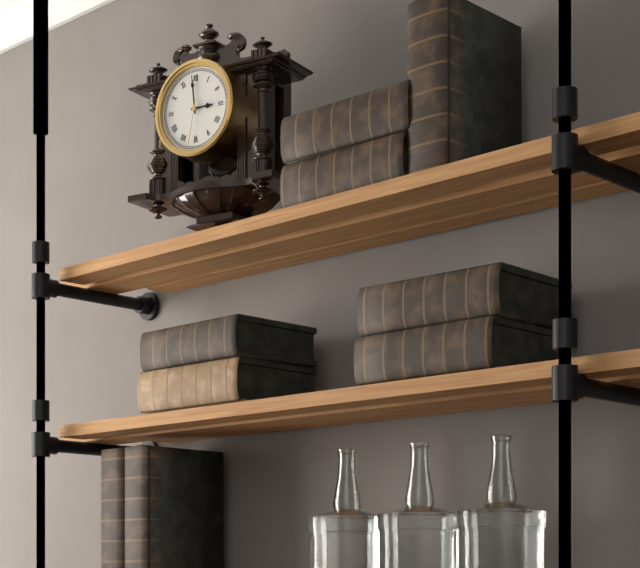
2:59
